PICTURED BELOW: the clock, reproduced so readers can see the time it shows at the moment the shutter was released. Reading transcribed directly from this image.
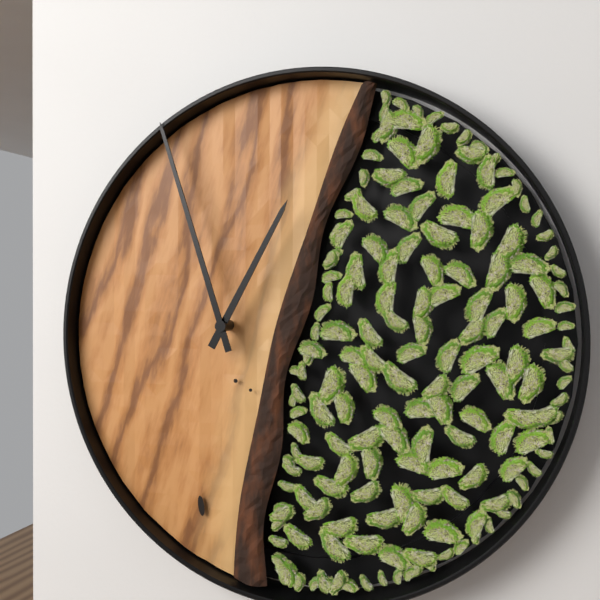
12:57
